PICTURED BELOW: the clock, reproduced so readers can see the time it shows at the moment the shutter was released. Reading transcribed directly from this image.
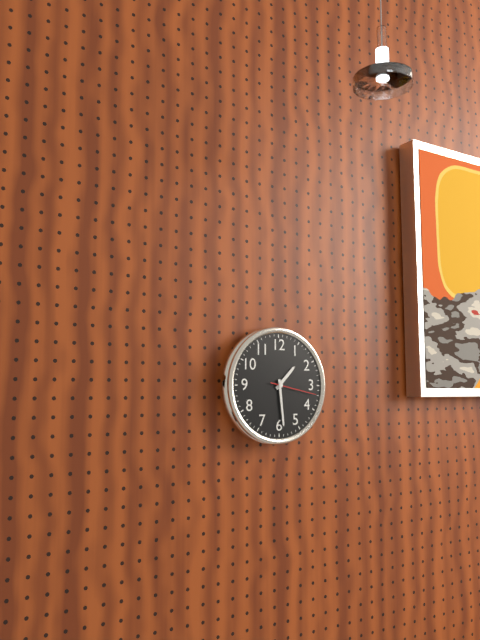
1:29
